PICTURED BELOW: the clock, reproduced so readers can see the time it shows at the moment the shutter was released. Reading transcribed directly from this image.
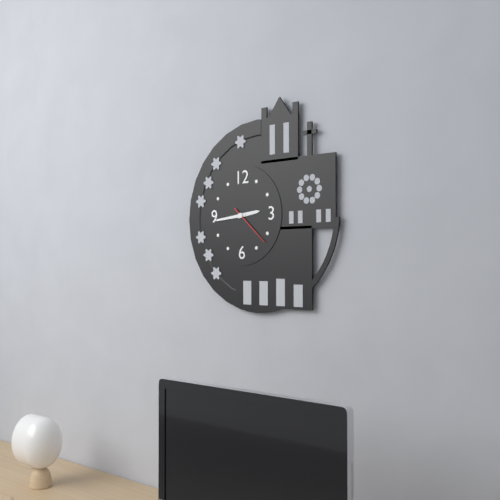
2:44
